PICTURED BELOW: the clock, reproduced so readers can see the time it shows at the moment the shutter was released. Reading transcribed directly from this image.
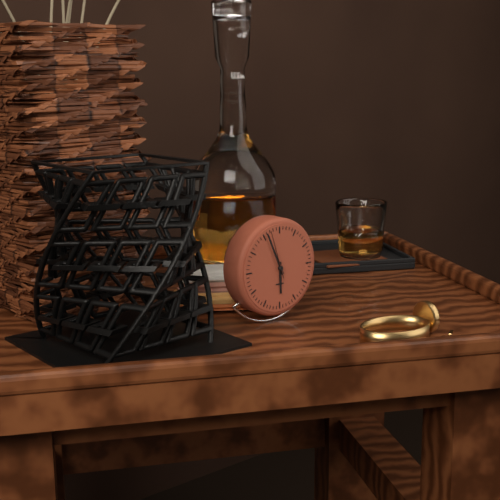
5:56
